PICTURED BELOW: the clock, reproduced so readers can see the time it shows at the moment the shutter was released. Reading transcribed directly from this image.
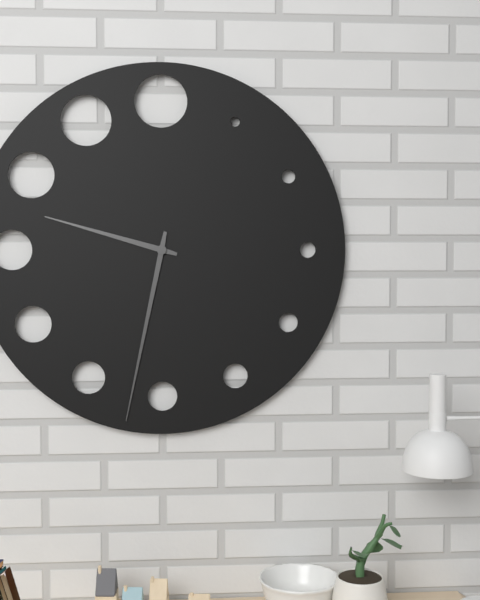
9:32
